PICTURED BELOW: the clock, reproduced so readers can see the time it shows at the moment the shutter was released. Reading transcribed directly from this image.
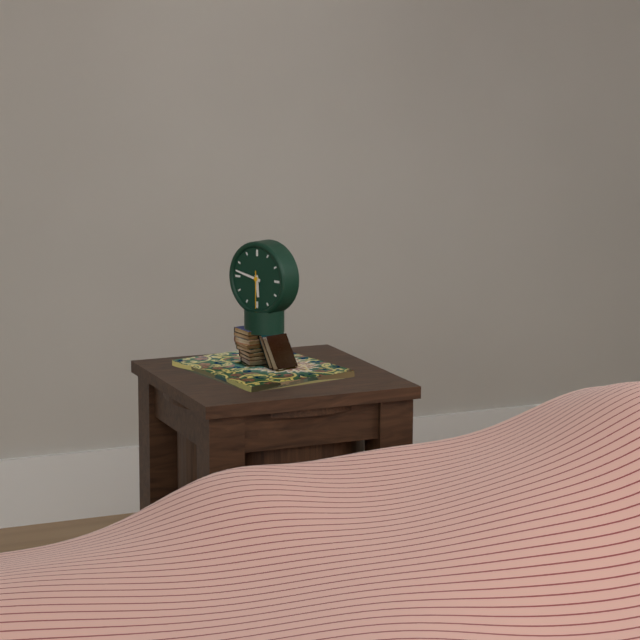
5:47
